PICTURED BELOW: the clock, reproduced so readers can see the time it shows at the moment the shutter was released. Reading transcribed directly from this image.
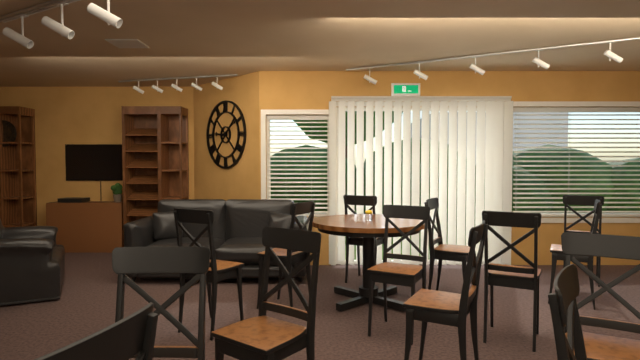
9:10
